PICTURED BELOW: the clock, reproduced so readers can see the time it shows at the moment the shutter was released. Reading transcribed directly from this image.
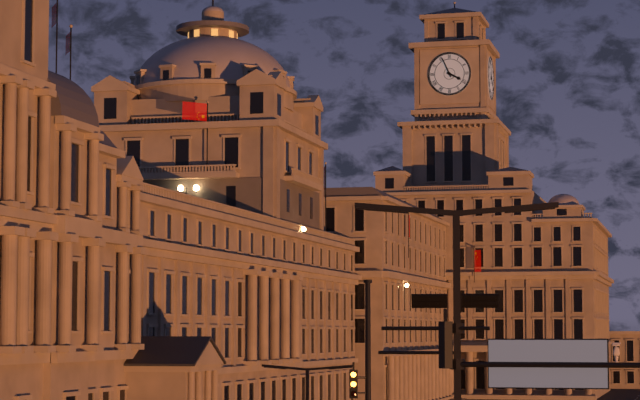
3:56
